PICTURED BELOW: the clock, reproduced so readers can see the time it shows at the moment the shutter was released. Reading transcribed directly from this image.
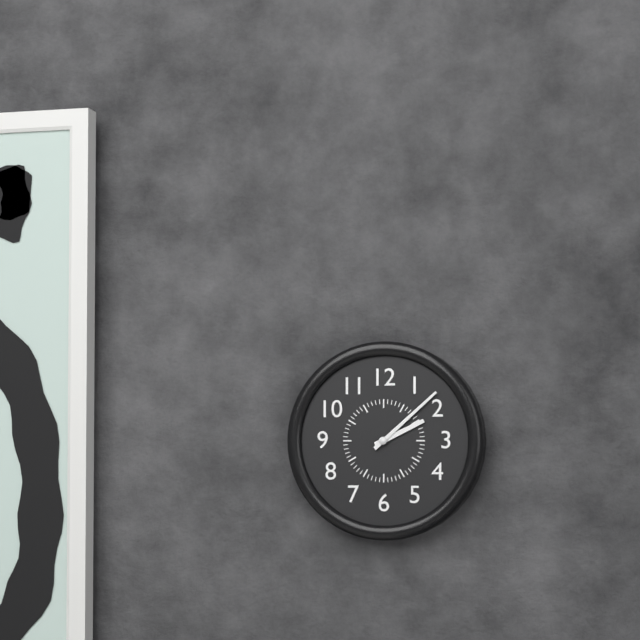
2:08
